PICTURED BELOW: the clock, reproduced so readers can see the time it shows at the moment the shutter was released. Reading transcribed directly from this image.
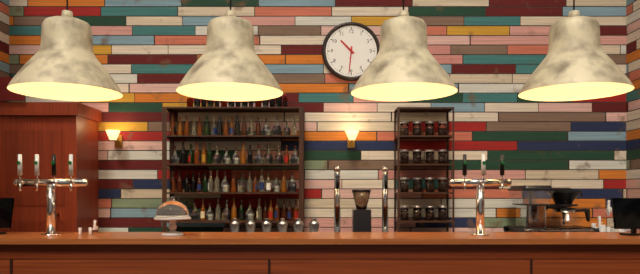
10:31
